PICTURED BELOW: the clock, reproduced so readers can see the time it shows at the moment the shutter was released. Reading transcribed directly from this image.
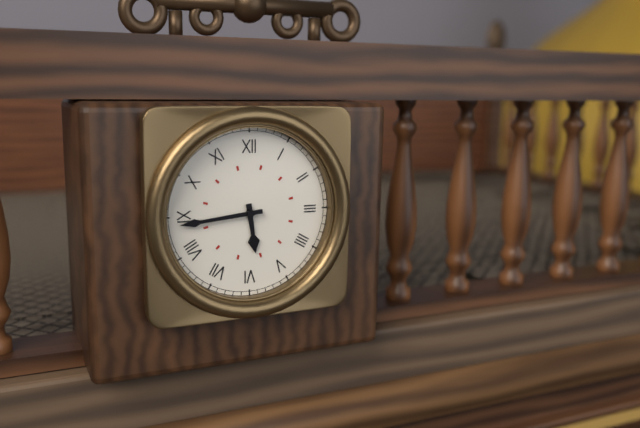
5:44
